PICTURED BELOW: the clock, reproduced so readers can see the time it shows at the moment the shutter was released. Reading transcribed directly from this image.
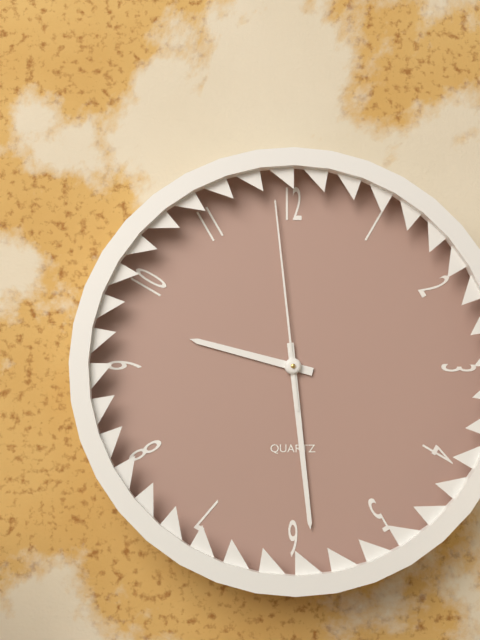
9:29:59
